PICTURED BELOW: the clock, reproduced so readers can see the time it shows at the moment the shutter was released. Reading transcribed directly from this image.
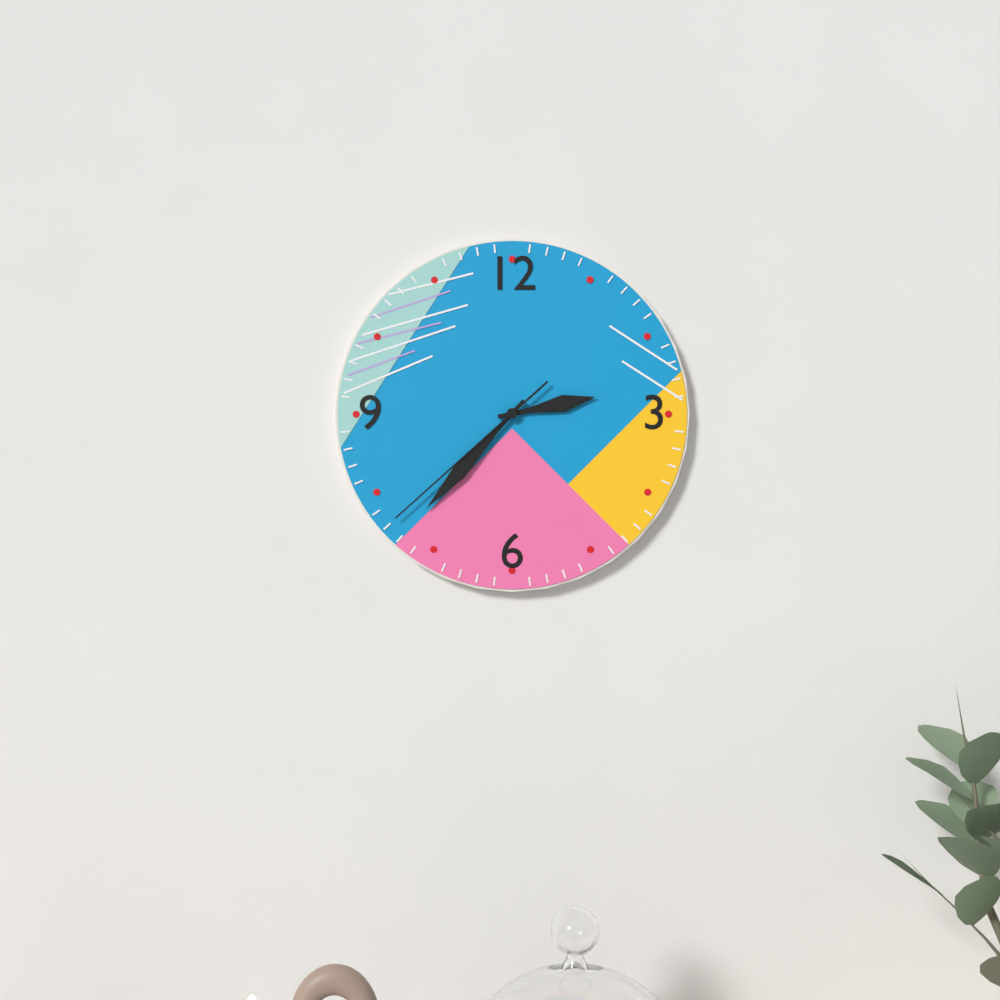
2:37:38
